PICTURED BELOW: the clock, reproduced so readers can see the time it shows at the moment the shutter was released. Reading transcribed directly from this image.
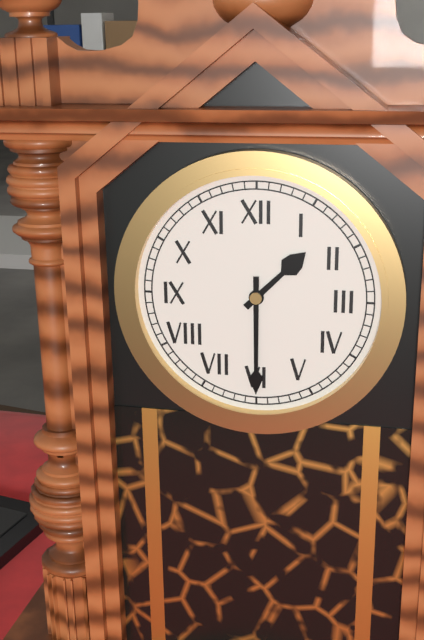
1:30
